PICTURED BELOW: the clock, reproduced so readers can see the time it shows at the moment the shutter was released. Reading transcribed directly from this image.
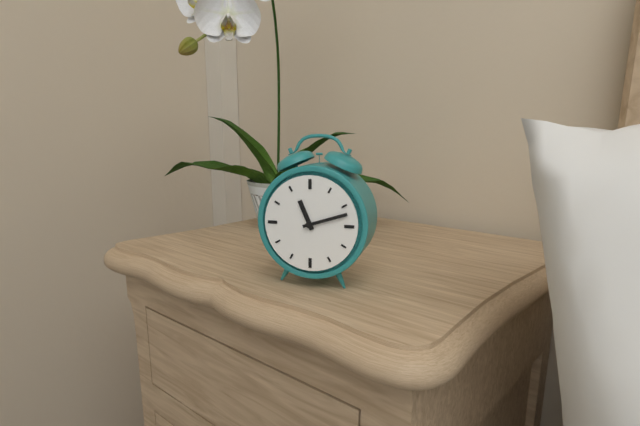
11:12
